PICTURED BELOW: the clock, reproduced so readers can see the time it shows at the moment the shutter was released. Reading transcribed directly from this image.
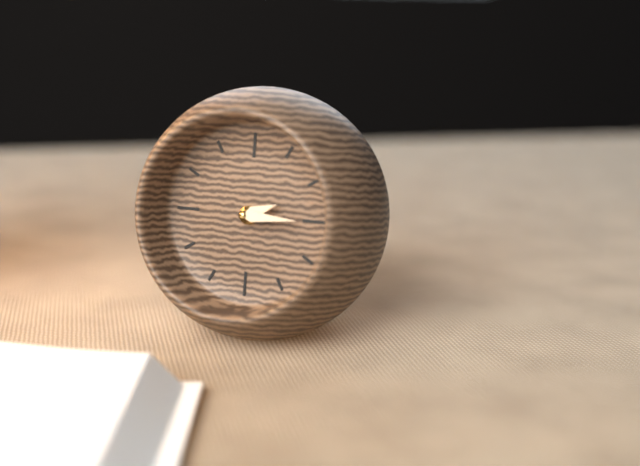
2:15
